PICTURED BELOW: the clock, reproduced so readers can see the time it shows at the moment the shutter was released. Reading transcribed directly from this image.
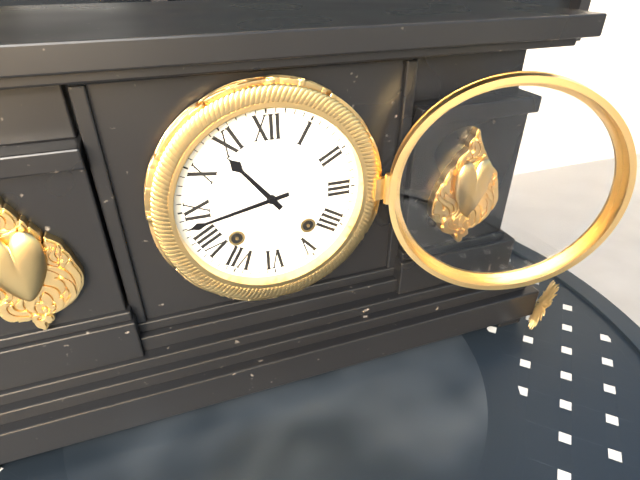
10:43
